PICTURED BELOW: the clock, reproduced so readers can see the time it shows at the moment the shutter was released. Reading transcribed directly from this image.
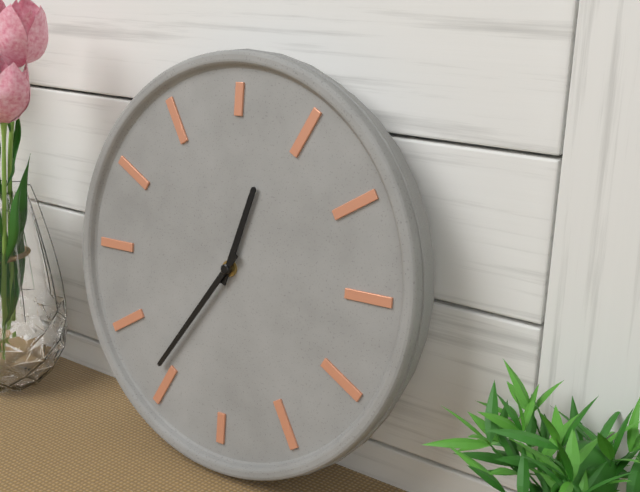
12:36
